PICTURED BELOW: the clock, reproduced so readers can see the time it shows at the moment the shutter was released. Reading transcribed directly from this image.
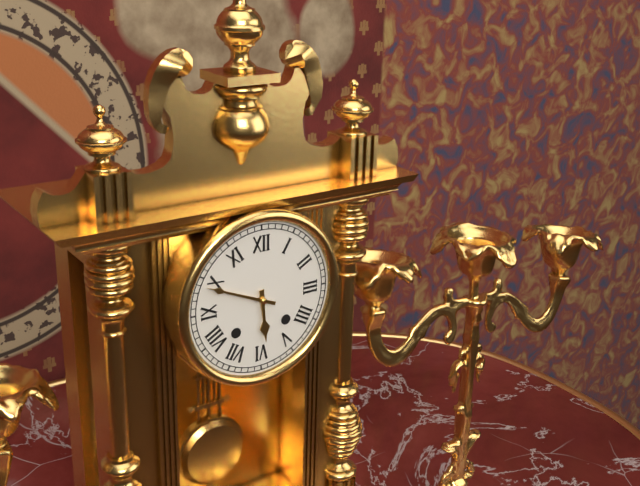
5:49
